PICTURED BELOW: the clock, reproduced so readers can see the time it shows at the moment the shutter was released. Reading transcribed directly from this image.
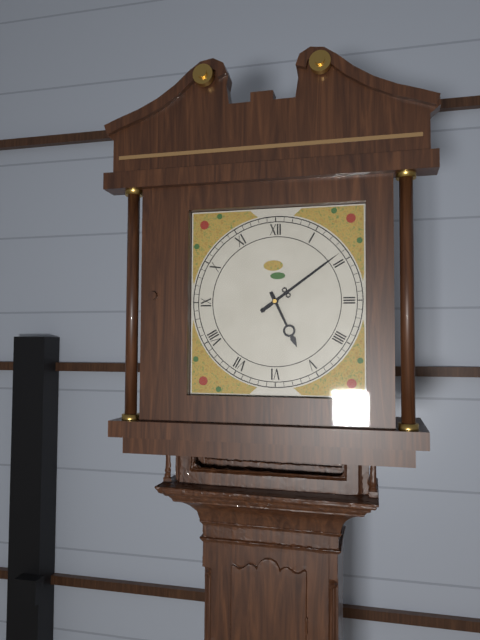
5:09
